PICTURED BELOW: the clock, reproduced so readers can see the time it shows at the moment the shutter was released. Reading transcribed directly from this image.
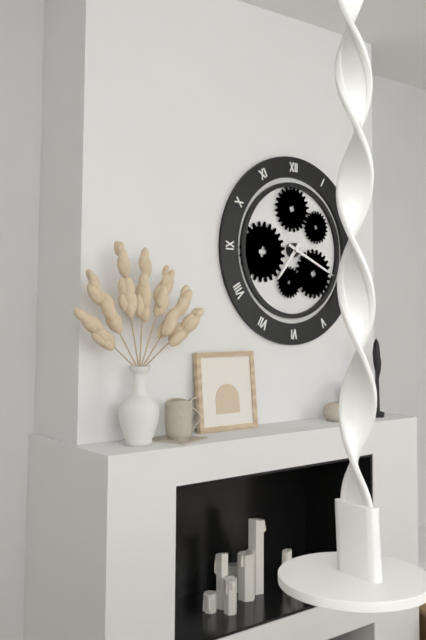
7:19
